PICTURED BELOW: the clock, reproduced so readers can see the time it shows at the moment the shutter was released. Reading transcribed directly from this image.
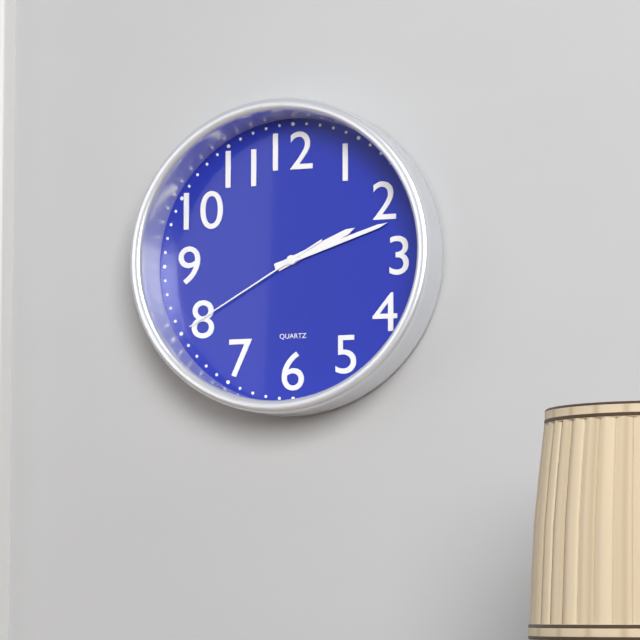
2:12:40
